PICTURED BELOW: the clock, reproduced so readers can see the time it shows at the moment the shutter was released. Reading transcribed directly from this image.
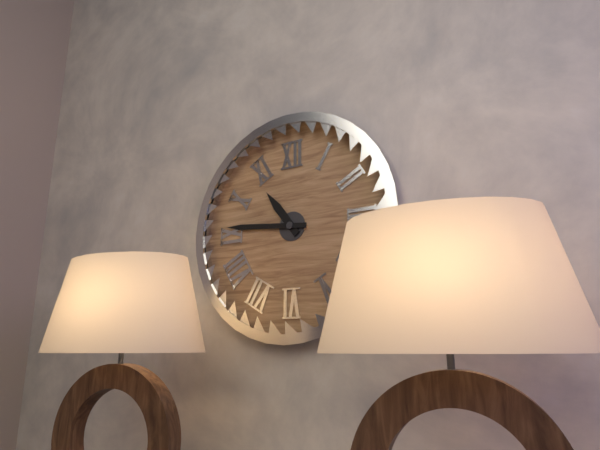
10:46
